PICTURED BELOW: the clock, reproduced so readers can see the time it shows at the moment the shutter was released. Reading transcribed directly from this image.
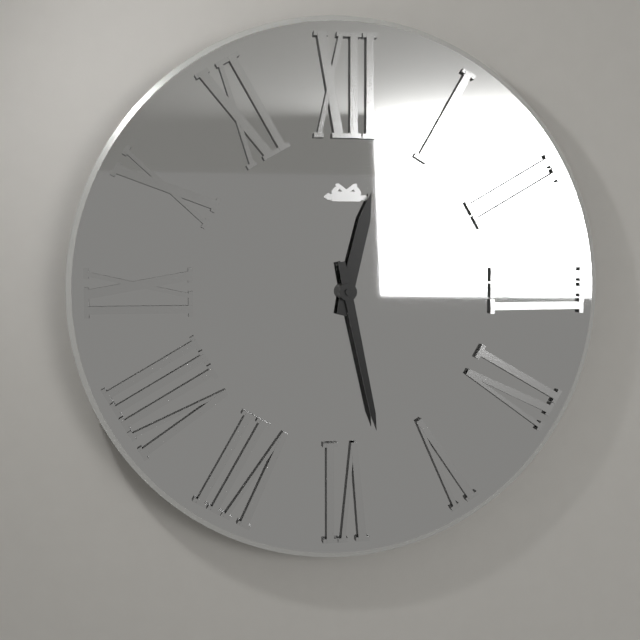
12:28
